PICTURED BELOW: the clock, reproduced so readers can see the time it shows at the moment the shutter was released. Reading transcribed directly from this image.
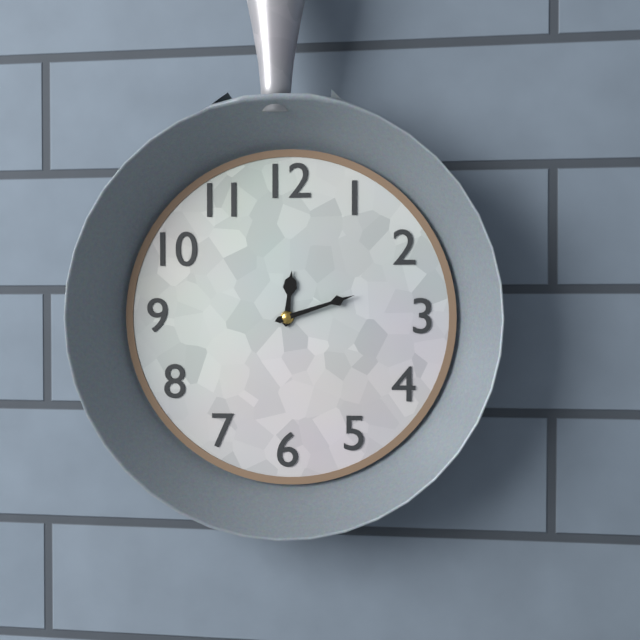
12:12
